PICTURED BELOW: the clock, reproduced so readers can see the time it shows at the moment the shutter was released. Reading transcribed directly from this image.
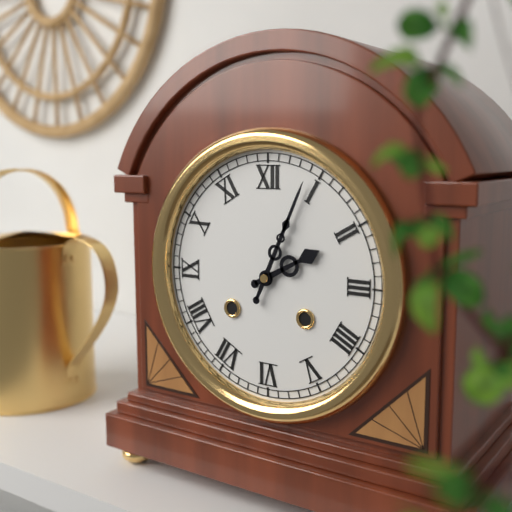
2:04
